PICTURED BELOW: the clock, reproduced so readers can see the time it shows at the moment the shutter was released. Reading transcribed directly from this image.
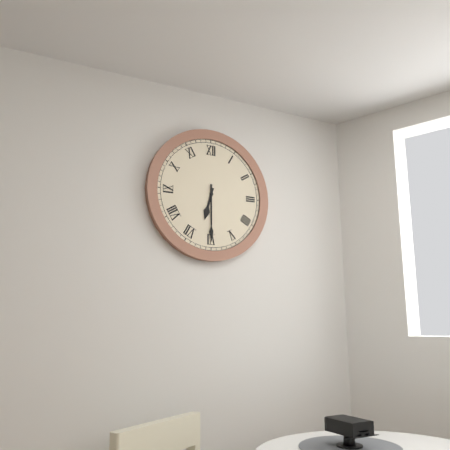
6:30
